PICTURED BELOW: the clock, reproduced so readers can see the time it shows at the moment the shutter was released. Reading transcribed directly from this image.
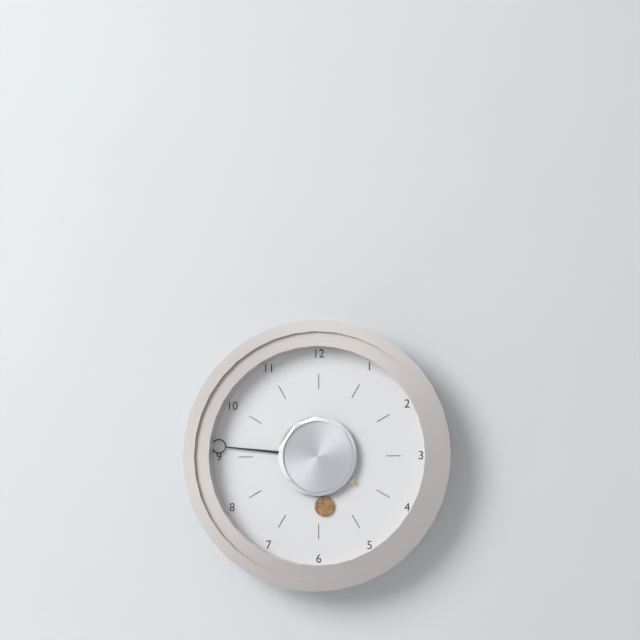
5:46
